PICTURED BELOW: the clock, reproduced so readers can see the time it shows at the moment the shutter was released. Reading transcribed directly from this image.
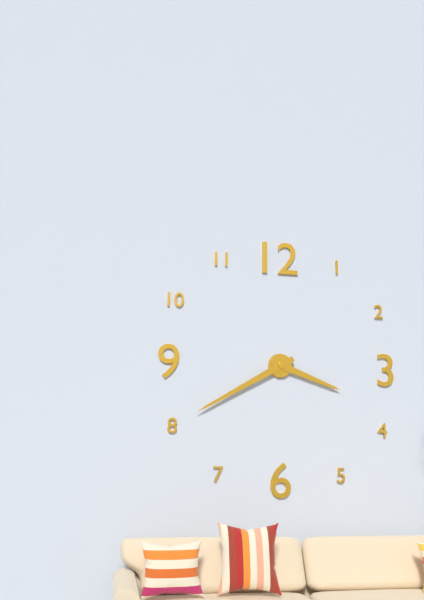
3:40
